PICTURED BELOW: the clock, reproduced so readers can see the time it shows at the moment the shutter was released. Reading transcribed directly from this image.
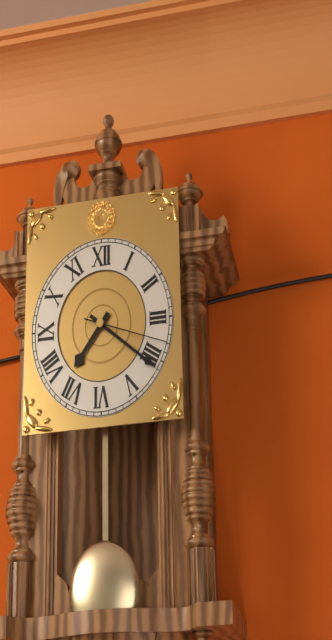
7:21:18
